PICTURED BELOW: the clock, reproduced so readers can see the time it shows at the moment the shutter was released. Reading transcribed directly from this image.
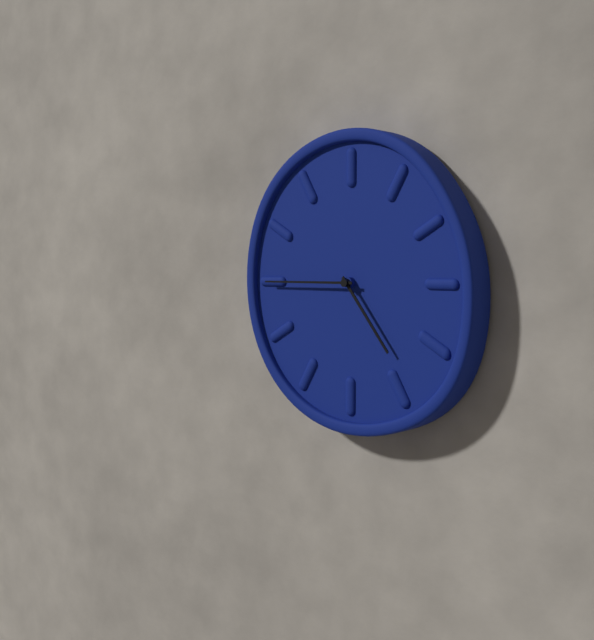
4:45
